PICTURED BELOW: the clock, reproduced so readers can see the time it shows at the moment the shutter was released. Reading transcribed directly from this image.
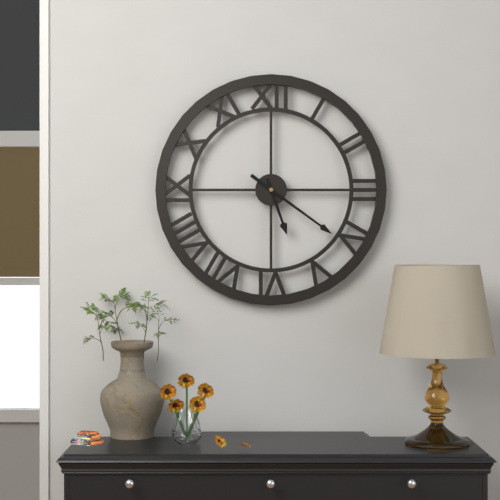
5:21
